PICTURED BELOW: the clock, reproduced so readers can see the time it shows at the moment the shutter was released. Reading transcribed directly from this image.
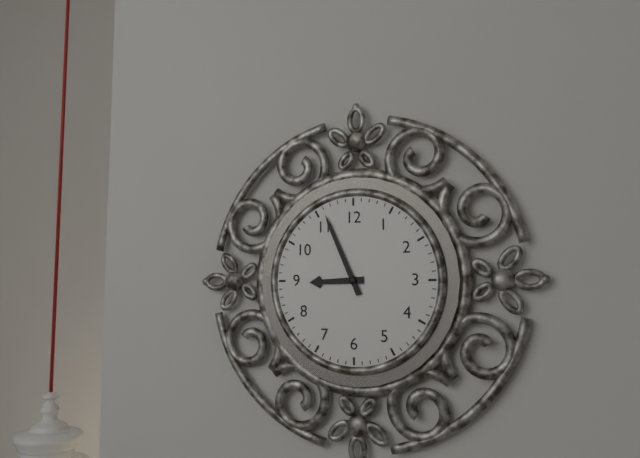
8:56
